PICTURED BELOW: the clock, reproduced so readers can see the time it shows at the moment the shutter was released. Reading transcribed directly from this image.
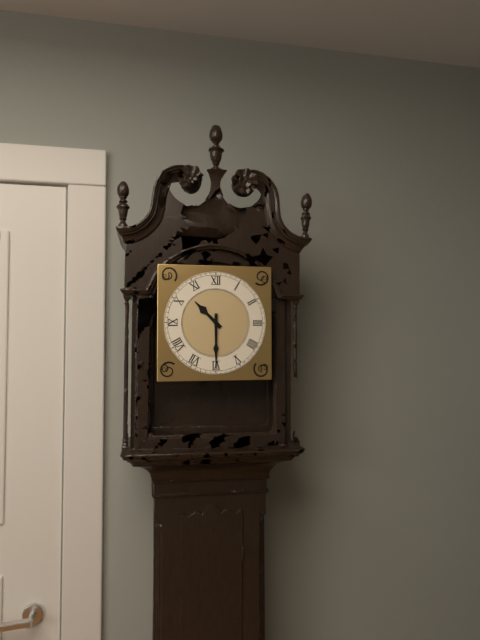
10:30
